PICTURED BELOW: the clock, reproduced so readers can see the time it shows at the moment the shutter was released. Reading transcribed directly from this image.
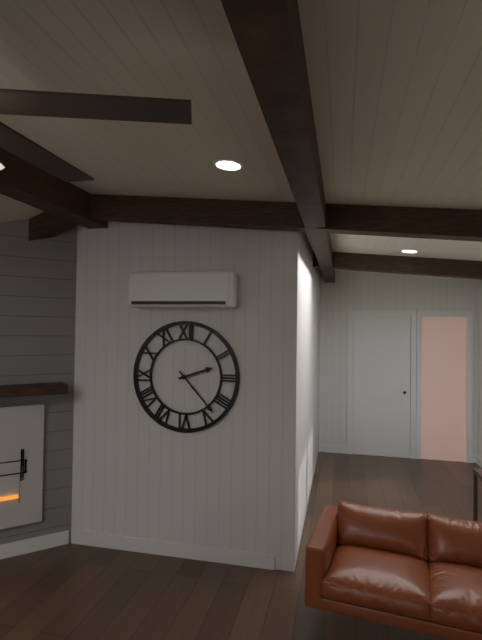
2:23
